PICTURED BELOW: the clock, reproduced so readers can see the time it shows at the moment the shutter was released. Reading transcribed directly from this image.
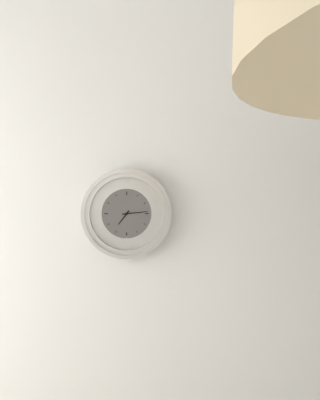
7:14
